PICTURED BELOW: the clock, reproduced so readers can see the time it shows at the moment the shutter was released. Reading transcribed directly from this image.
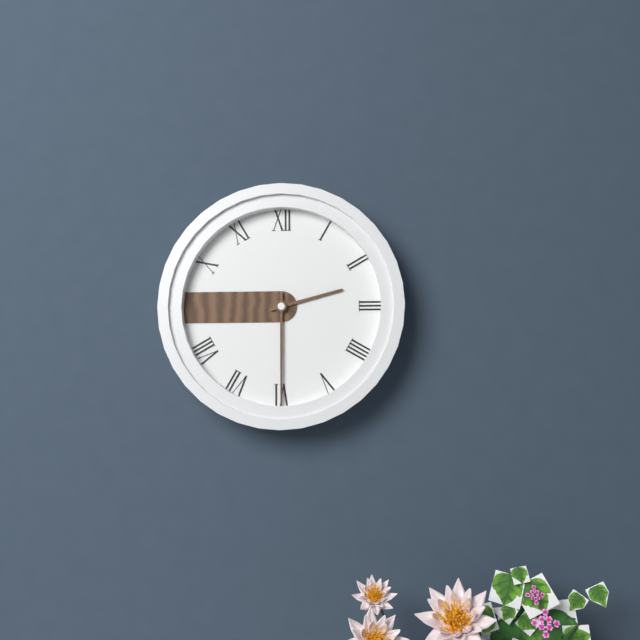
2:30
